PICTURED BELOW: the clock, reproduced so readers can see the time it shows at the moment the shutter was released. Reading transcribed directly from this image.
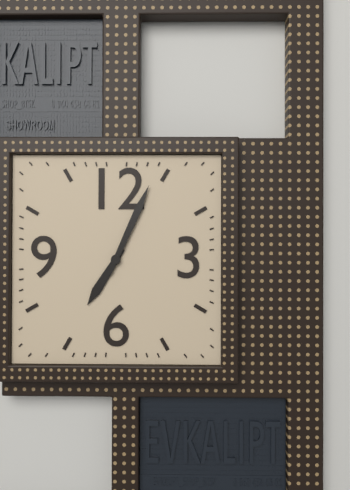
7:04
